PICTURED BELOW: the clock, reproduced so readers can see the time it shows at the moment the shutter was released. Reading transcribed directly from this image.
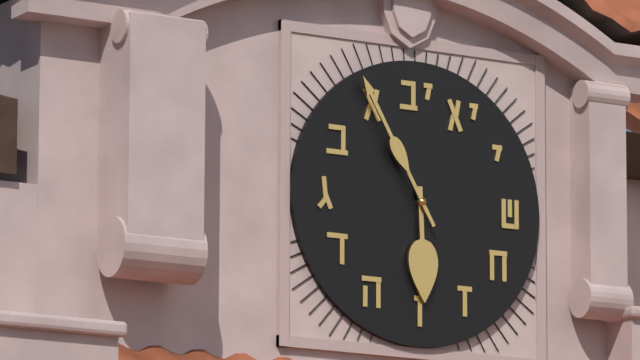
5:55
